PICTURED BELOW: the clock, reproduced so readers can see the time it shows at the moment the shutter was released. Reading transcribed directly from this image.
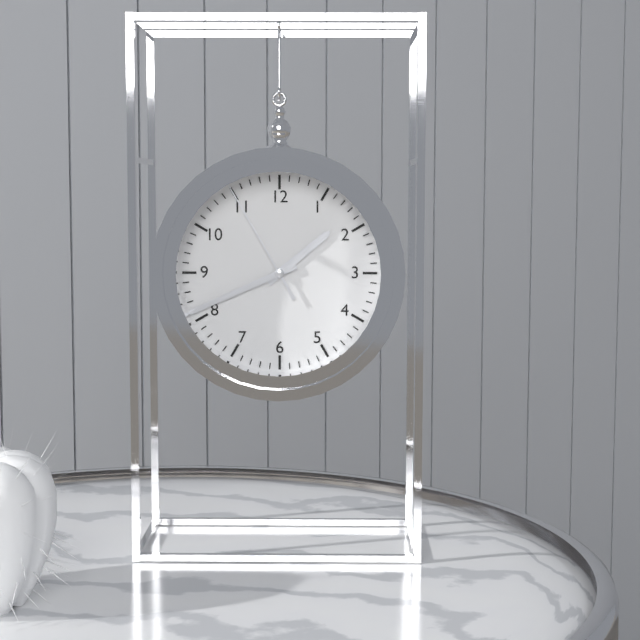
1:41:55
